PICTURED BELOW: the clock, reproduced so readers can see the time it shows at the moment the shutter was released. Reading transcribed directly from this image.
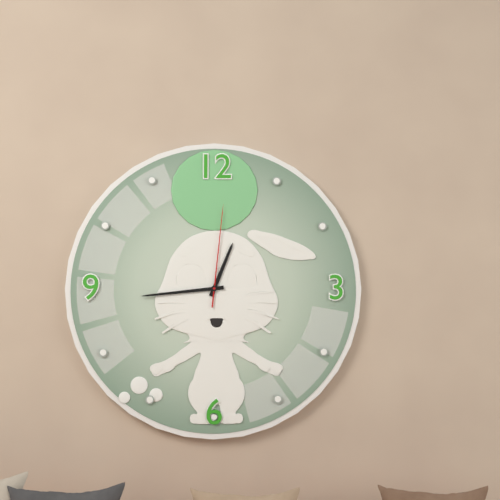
12:44:01
